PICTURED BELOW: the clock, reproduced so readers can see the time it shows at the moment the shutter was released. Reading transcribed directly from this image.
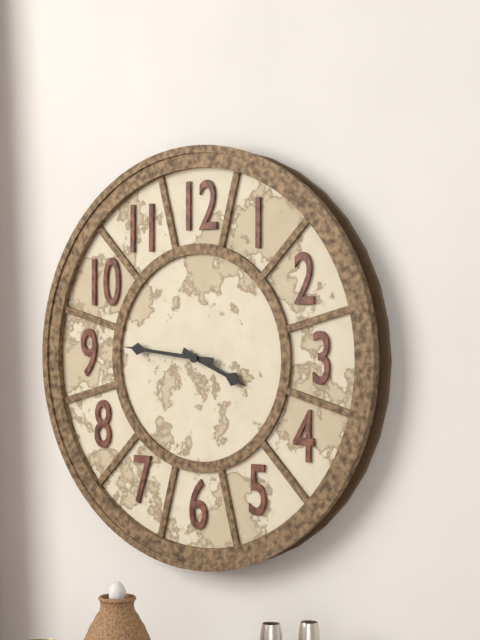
3:46
